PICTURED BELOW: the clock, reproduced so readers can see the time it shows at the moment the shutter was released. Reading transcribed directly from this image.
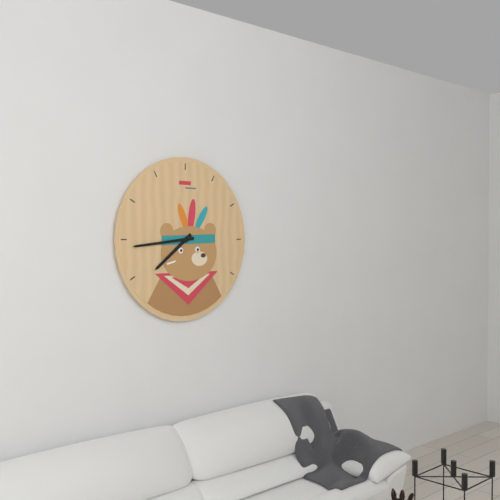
7:44
